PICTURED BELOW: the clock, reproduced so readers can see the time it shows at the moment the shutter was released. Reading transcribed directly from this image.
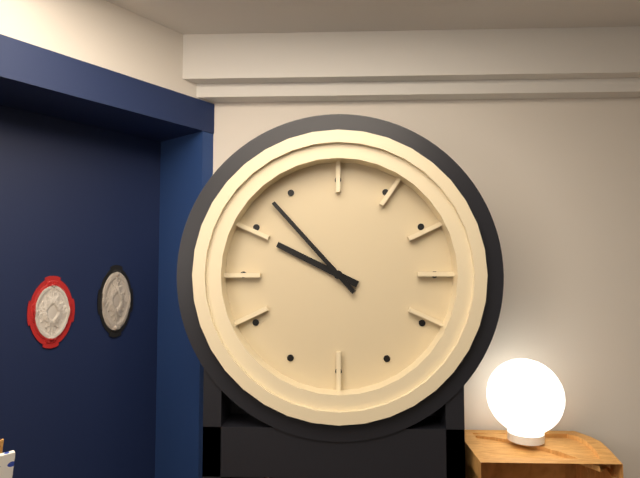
9:53
